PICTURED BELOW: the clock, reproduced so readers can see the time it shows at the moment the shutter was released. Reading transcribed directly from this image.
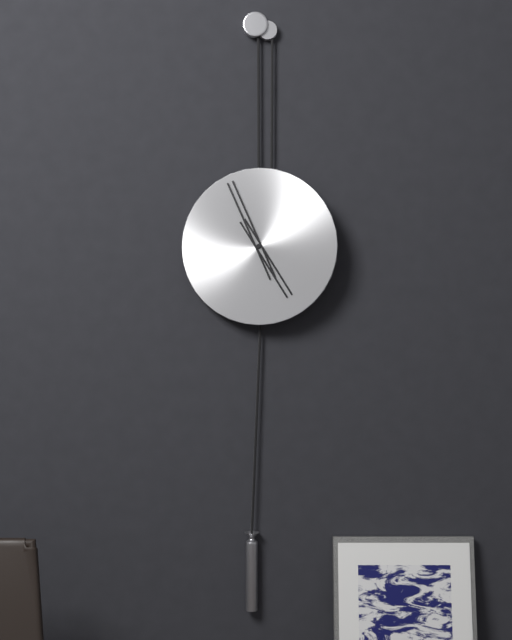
4:56
